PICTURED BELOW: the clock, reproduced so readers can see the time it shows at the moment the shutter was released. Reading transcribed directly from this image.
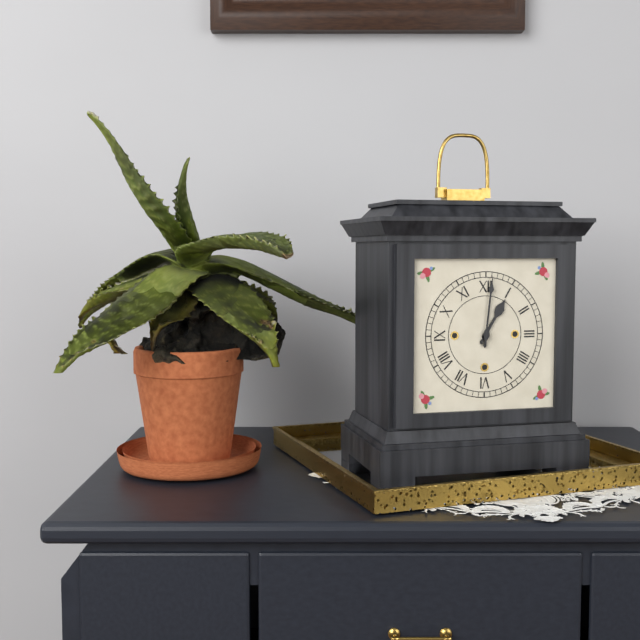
1:01
